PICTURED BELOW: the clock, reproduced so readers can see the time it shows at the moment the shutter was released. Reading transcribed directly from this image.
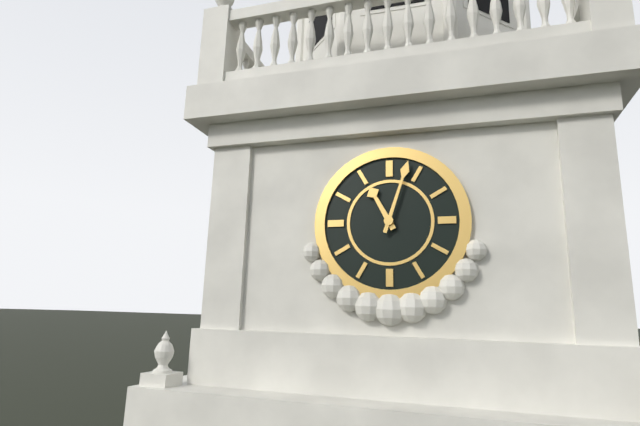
11:03
